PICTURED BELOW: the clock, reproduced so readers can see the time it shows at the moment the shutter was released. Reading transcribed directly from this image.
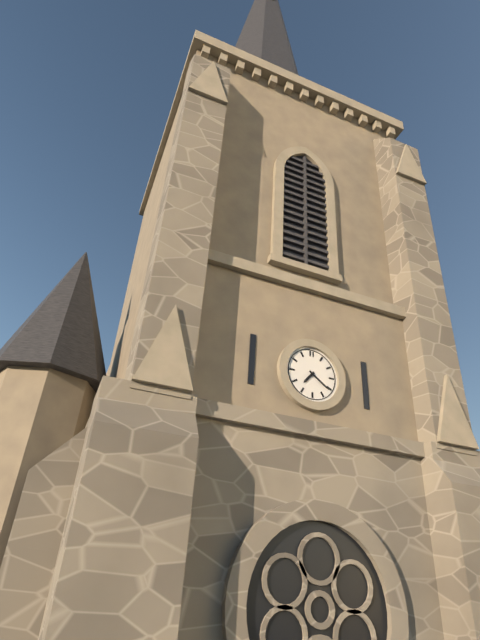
7:21
